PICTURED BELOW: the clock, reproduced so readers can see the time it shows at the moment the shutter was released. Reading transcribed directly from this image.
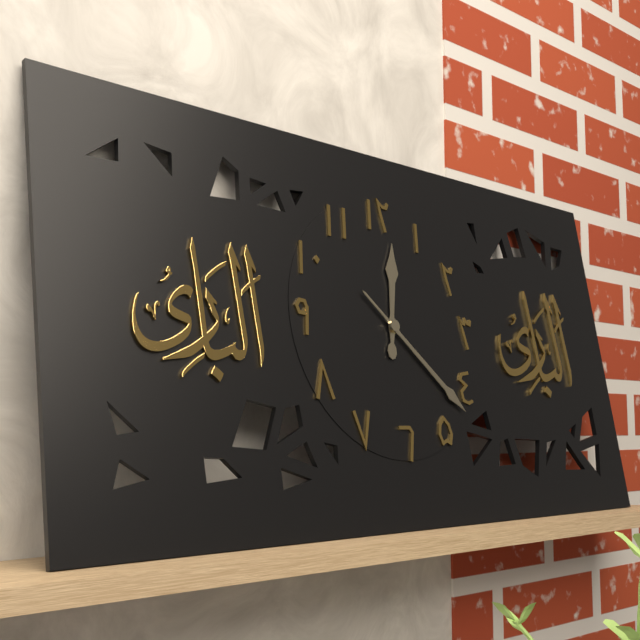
12:22
